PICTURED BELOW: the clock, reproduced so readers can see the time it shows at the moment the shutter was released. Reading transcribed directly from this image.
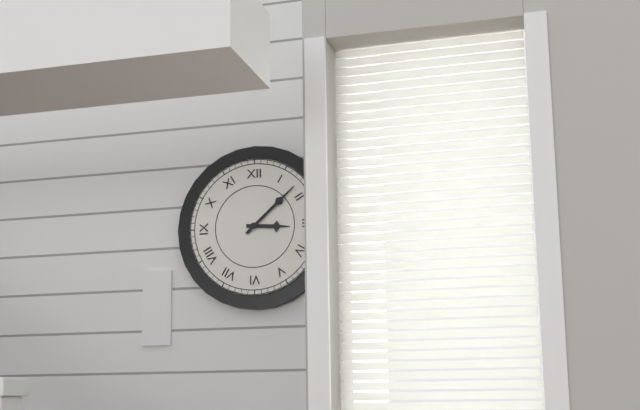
3:08
